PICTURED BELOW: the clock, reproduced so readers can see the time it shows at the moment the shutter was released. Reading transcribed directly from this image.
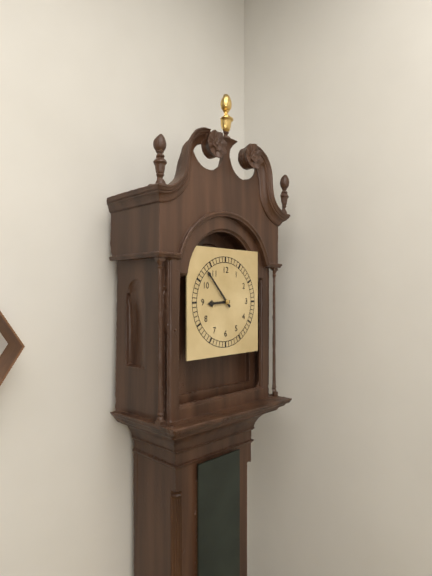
8:53
